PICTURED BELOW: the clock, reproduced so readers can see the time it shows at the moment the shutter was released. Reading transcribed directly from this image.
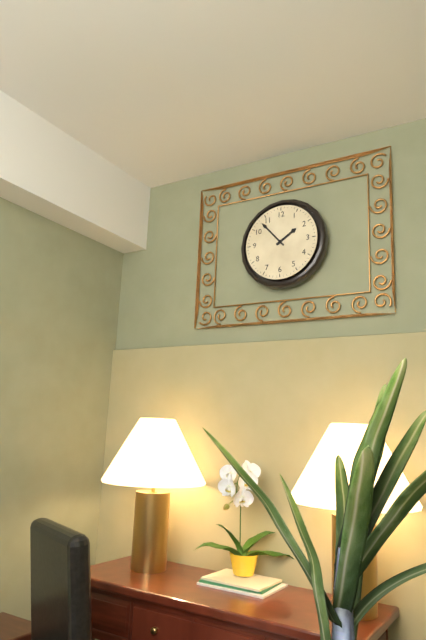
1:53
